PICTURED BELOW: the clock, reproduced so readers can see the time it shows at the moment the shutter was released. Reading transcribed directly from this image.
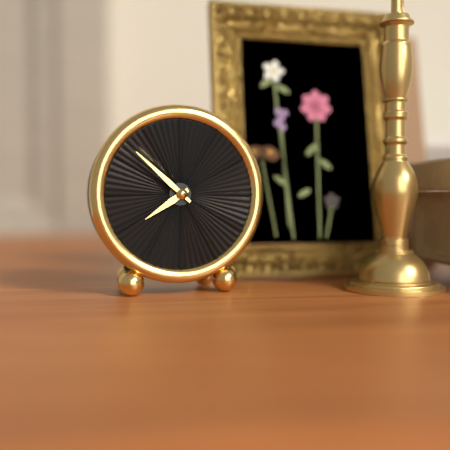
7:52
